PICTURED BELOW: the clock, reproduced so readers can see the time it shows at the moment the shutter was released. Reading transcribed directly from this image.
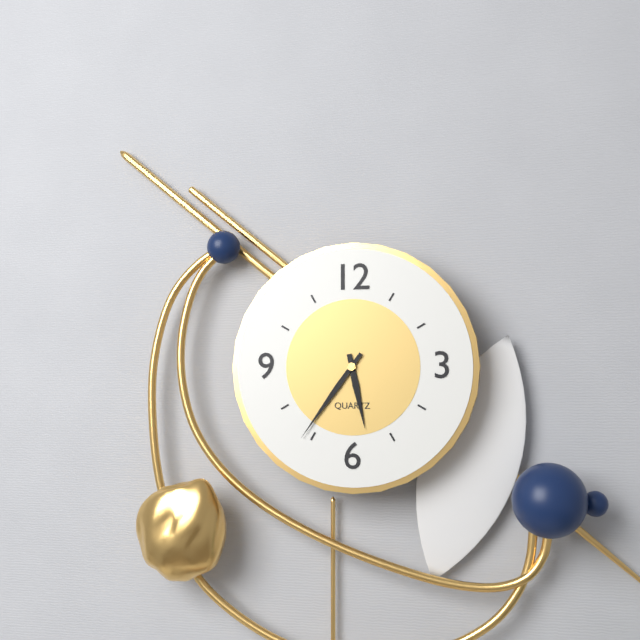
5:36
